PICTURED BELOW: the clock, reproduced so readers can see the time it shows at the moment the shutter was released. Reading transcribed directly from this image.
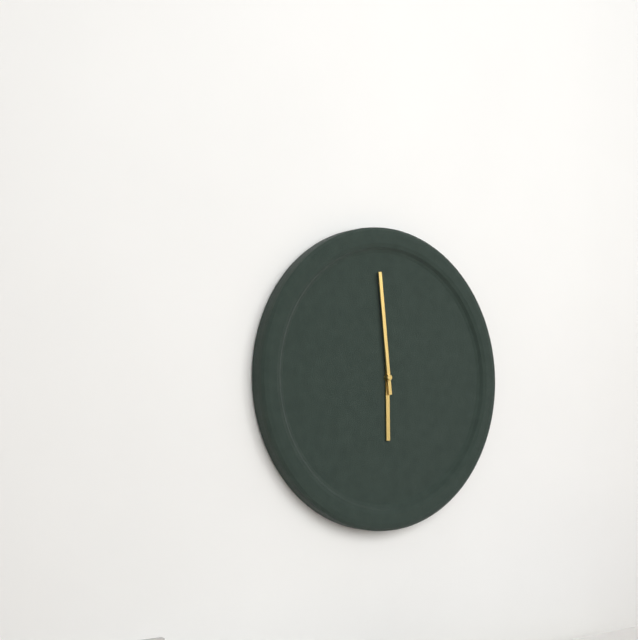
5:59
